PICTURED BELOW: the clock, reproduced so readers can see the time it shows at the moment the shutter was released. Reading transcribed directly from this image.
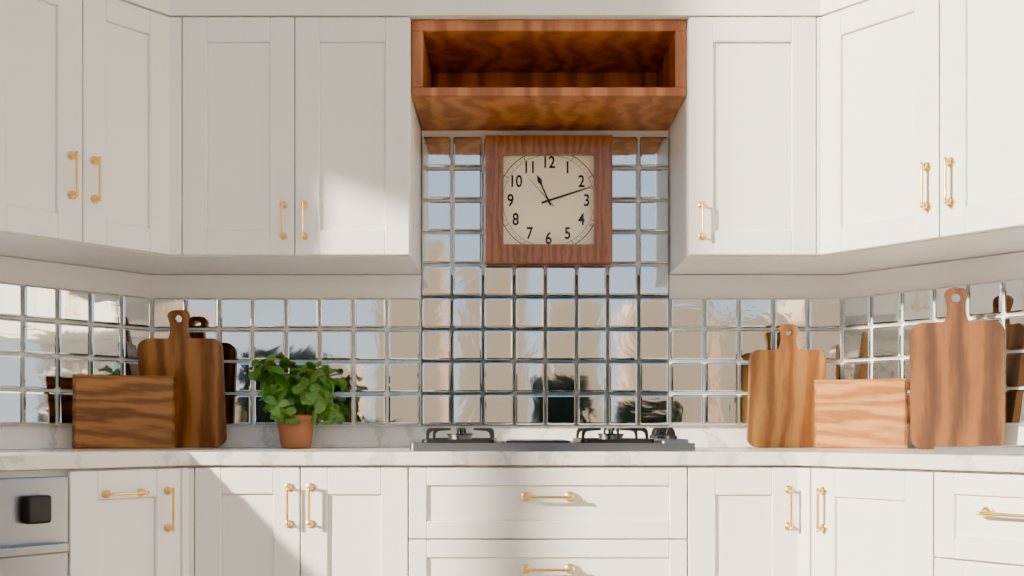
11:12
